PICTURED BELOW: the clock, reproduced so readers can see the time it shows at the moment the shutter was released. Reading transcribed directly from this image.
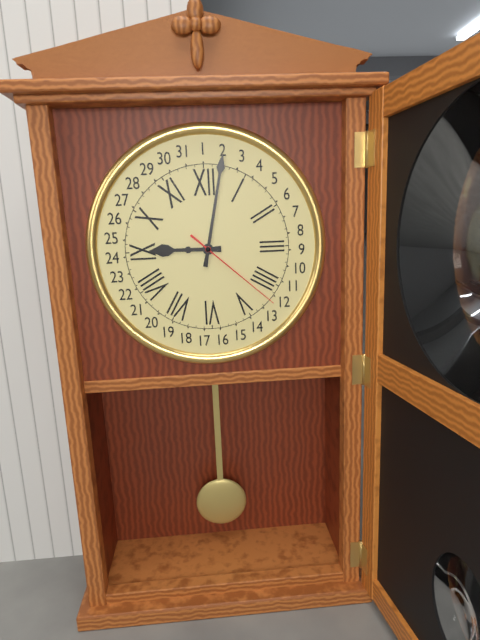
9:02:22
